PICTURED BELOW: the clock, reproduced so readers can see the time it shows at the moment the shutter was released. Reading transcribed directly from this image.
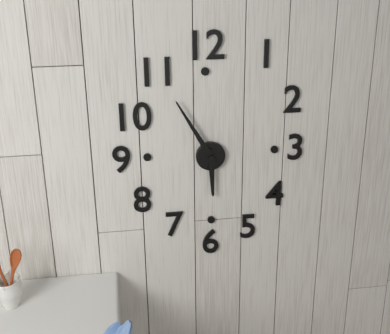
5:55
